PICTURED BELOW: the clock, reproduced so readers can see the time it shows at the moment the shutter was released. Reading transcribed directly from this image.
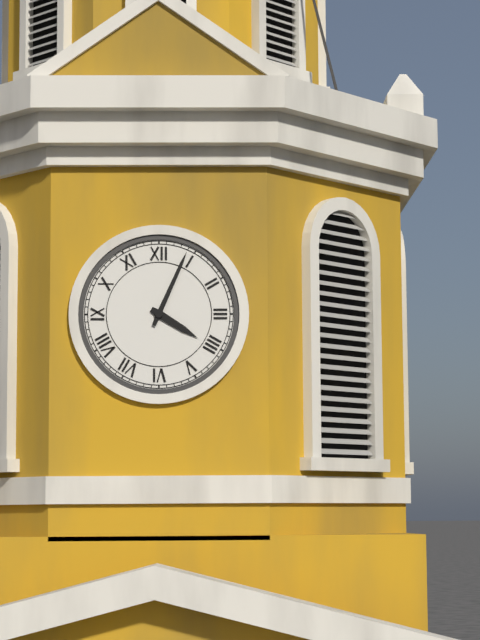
4:04
